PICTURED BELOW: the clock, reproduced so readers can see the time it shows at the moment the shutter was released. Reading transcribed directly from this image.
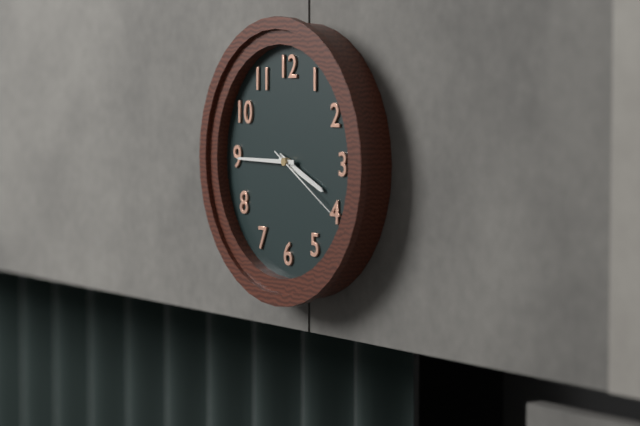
3:45:20
